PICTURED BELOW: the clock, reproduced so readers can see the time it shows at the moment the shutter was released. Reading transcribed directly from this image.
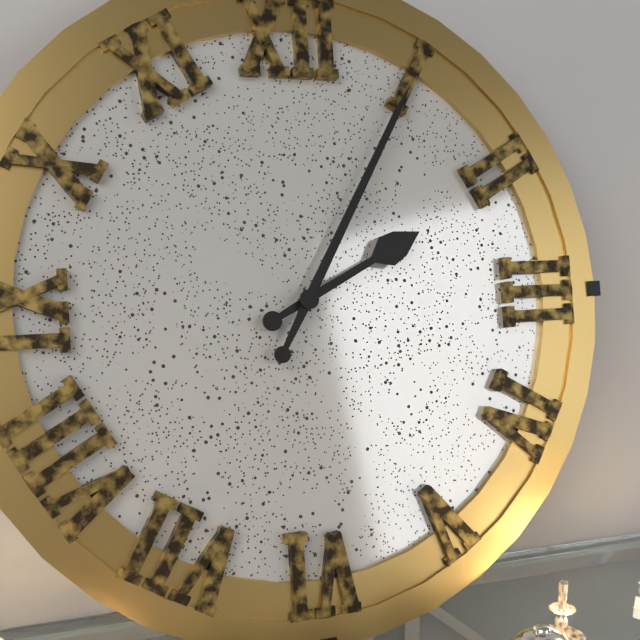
2:05
